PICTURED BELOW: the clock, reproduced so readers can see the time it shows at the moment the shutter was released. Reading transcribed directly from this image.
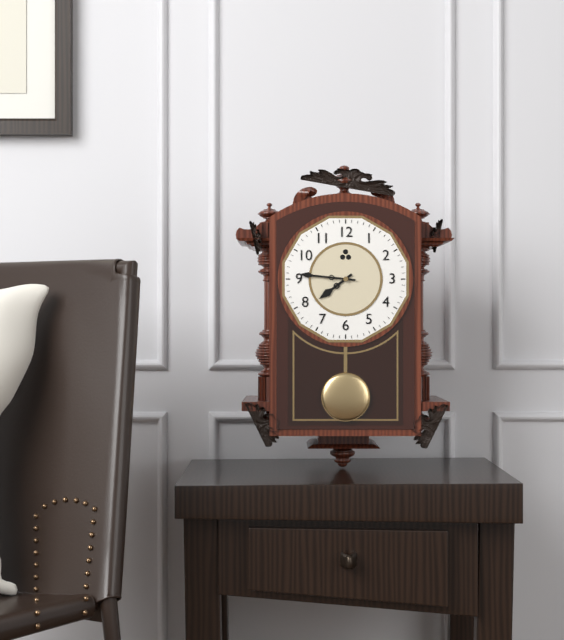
7:46
